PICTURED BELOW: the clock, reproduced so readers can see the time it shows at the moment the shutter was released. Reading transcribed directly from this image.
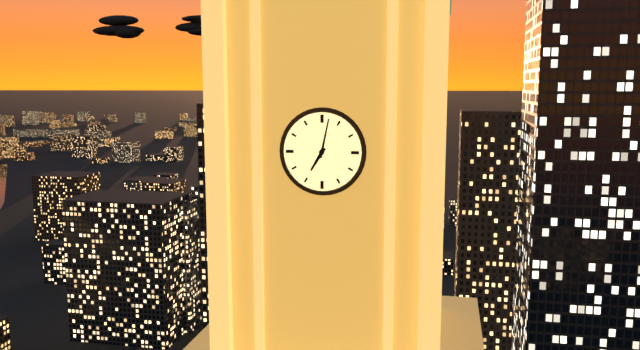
7:02
